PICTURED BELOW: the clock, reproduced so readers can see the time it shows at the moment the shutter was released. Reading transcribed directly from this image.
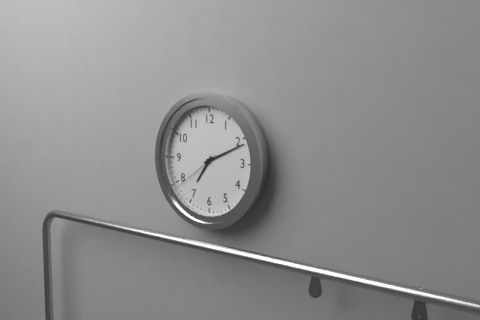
7:11
